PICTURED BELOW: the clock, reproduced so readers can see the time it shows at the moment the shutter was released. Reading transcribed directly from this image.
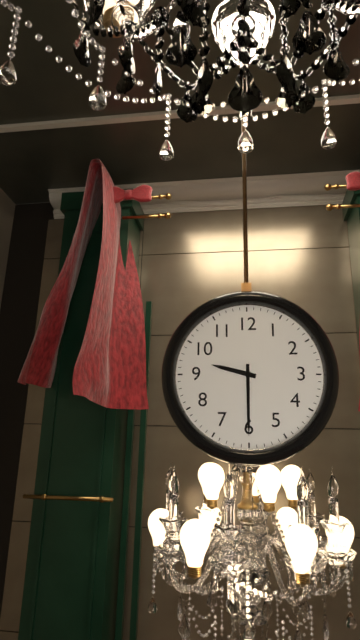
9:30
